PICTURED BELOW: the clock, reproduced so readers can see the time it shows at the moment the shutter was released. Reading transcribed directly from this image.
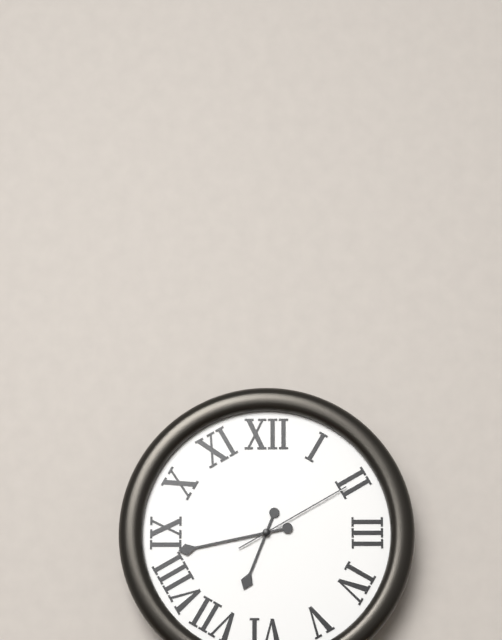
6:43:10
